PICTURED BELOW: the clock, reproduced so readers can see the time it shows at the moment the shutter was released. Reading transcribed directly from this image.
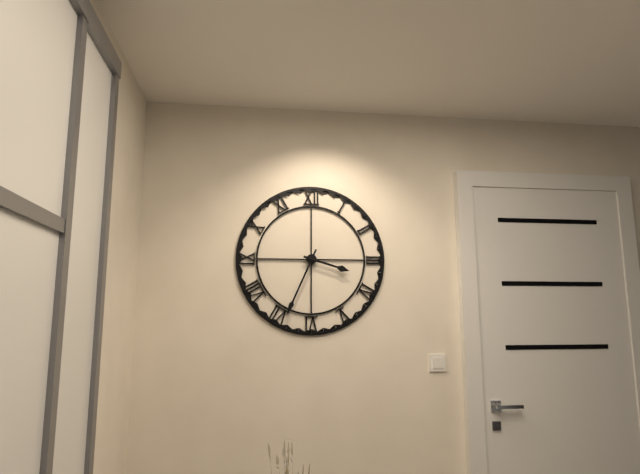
3:34
